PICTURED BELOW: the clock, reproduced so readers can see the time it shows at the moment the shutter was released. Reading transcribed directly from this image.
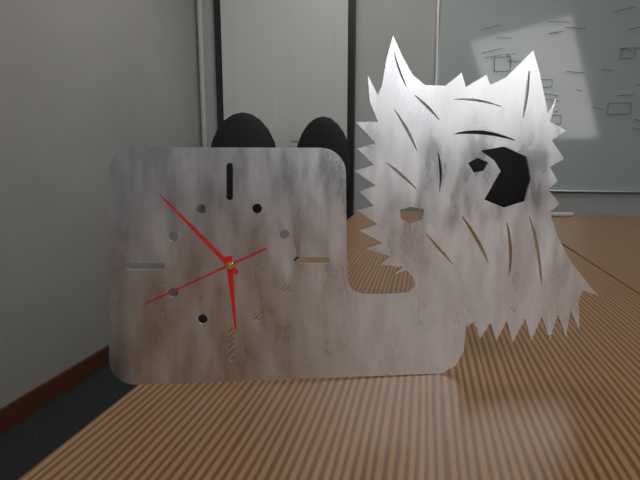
5:53:41
